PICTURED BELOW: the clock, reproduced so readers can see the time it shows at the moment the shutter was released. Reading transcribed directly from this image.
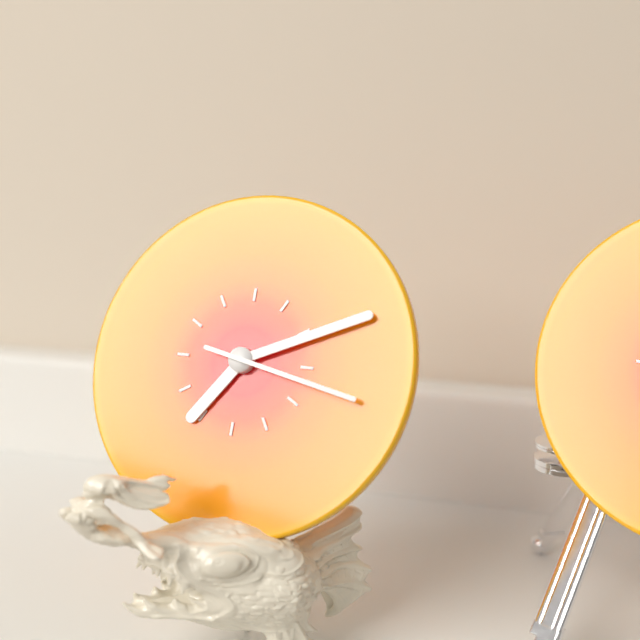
7:11:17
